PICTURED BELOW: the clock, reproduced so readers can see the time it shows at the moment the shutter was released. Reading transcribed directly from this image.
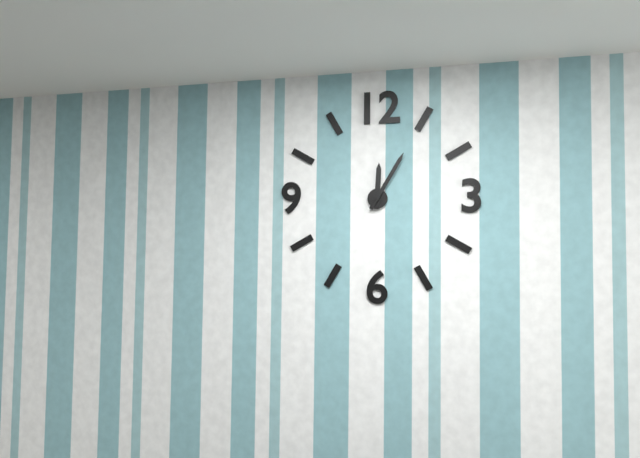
12:05
